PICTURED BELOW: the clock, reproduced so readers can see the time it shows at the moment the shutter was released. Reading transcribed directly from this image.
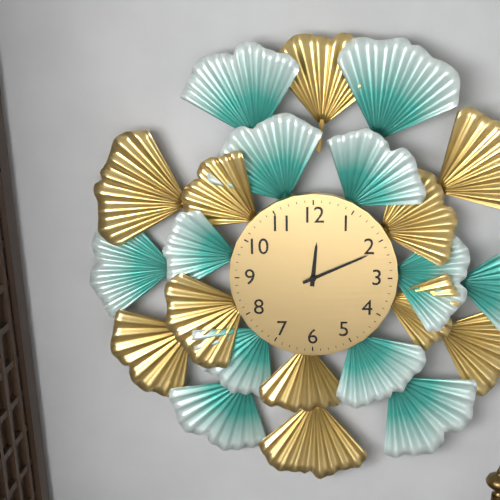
12:11
